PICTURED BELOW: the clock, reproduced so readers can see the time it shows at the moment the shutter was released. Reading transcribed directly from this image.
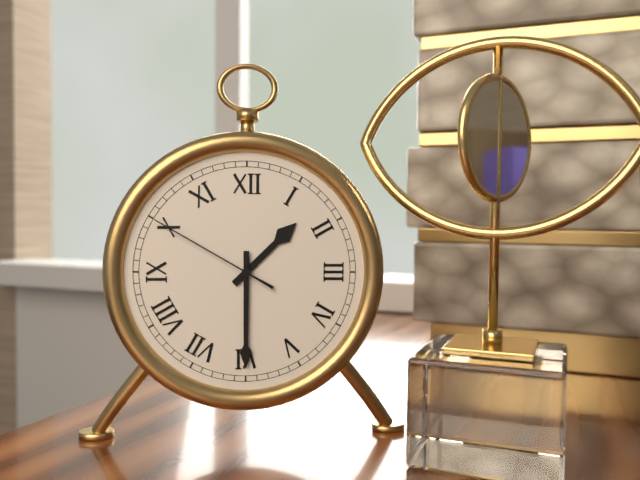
1:30:50
